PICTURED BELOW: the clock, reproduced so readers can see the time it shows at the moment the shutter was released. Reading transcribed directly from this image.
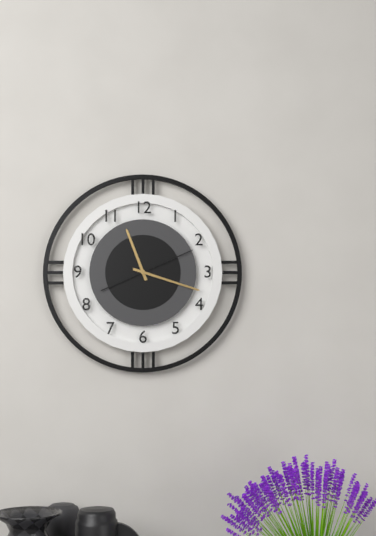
11:18:11
